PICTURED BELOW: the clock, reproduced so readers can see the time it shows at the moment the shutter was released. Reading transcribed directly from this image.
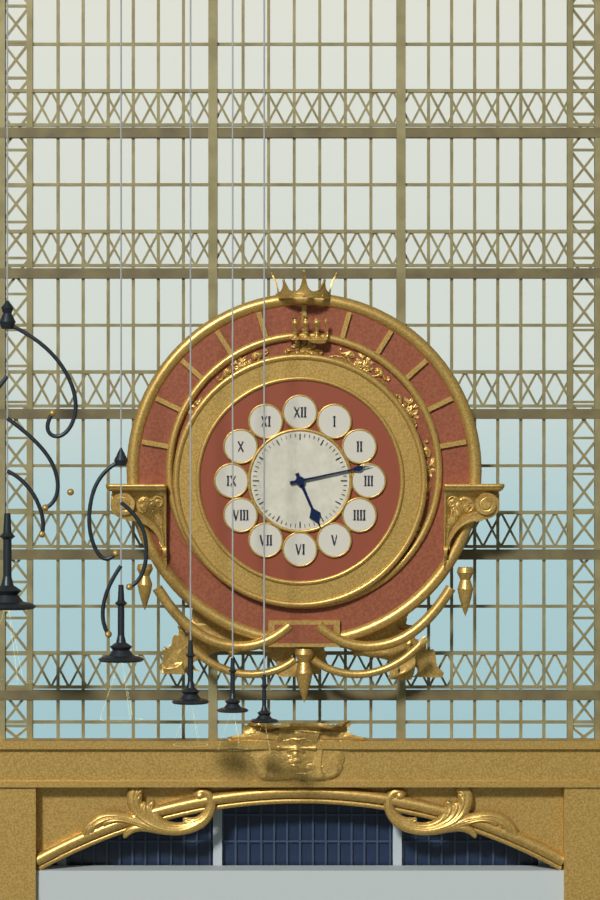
5:13
